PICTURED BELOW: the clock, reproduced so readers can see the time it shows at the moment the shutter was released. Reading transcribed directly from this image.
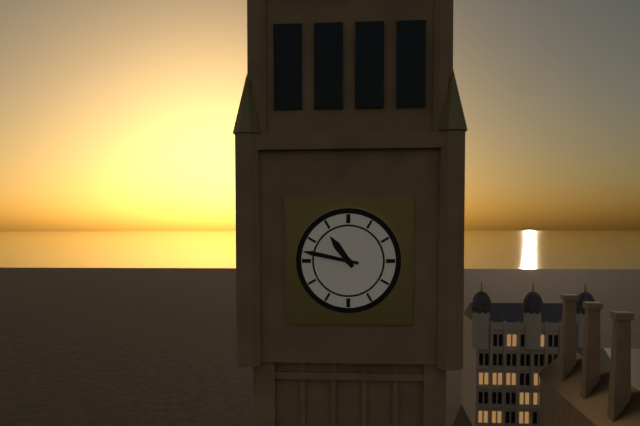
10:47
